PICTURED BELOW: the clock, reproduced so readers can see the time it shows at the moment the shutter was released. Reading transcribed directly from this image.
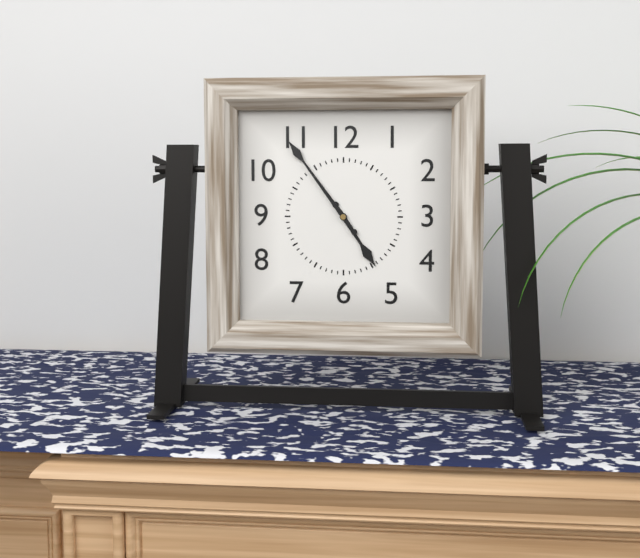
4:54
